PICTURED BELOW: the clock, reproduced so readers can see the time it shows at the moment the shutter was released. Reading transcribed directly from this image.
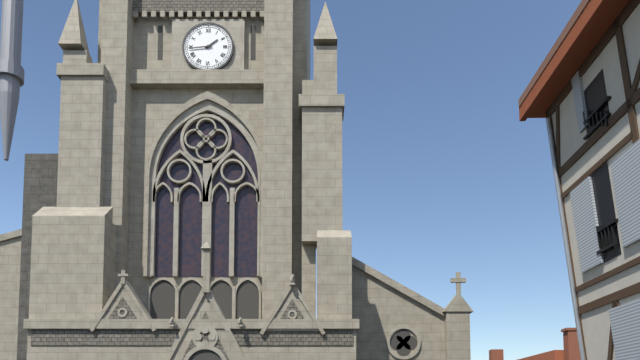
1:44
